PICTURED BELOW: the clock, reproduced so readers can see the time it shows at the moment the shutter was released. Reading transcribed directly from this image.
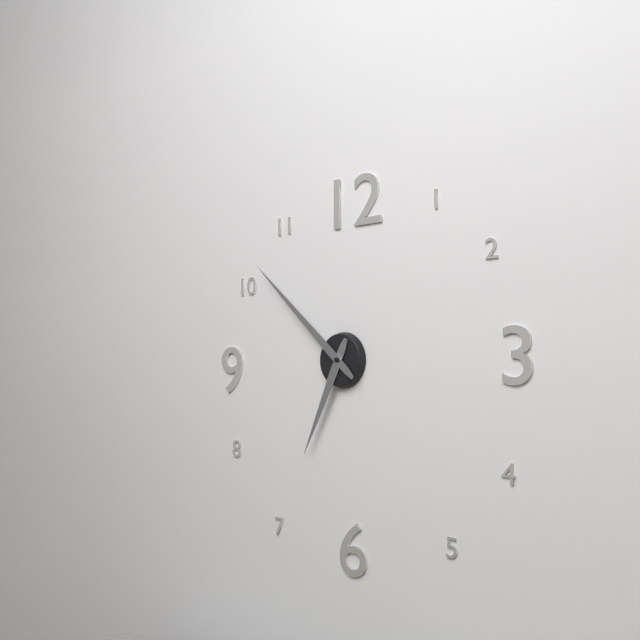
6:52
